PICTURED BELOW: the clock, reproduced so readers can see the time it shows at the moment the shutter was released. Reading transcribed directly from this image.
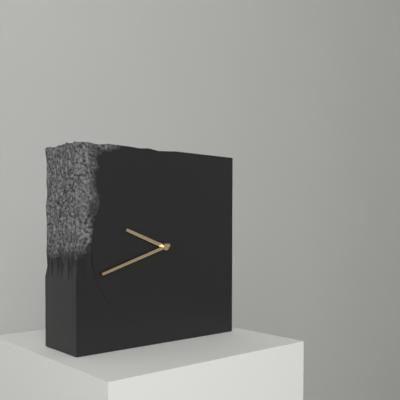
9:42
